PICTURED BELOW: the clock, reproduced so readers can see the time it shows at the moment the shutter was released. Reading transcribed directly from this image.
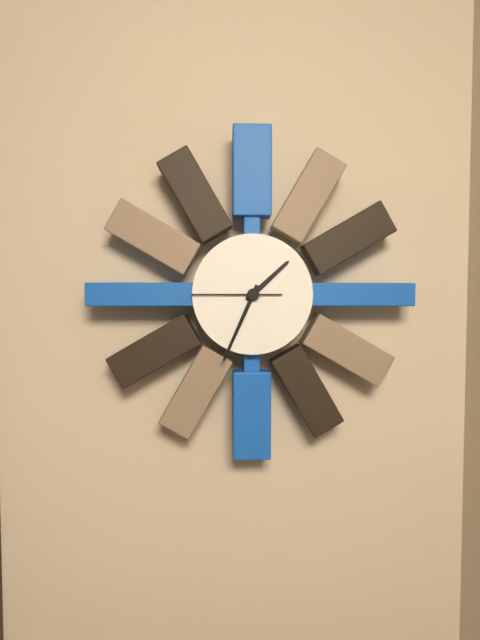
1:34:45
